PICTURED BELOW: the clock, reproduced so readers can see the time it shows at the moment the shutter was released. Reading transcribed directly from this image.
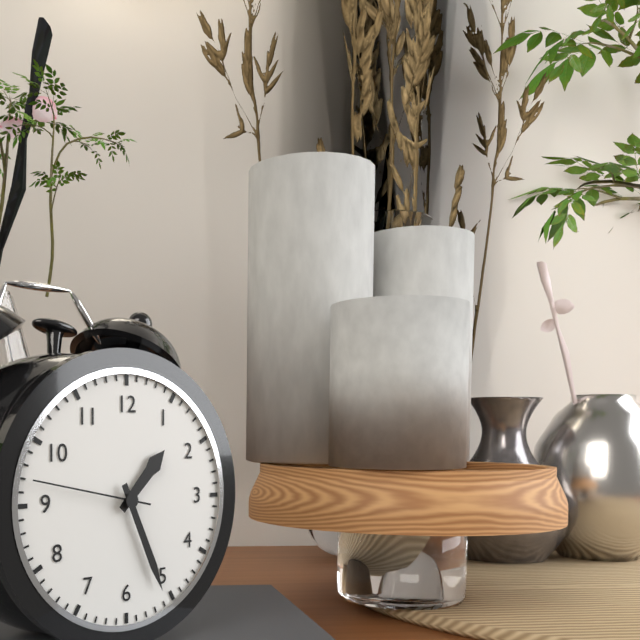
1:26:47
